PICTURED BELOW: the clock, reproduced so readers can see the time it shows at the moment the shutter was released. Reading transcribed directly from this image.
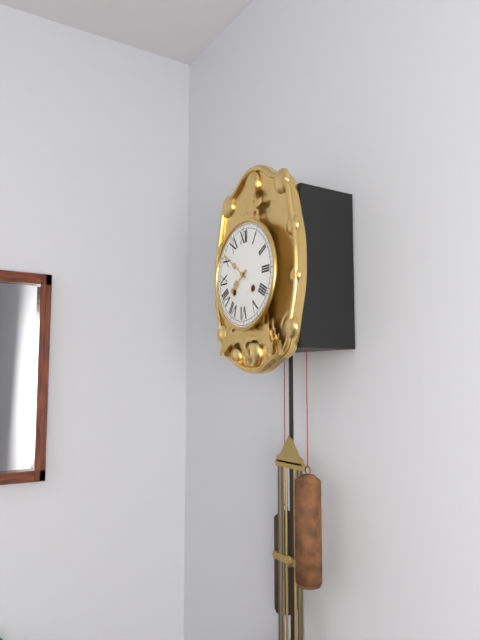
7:51
